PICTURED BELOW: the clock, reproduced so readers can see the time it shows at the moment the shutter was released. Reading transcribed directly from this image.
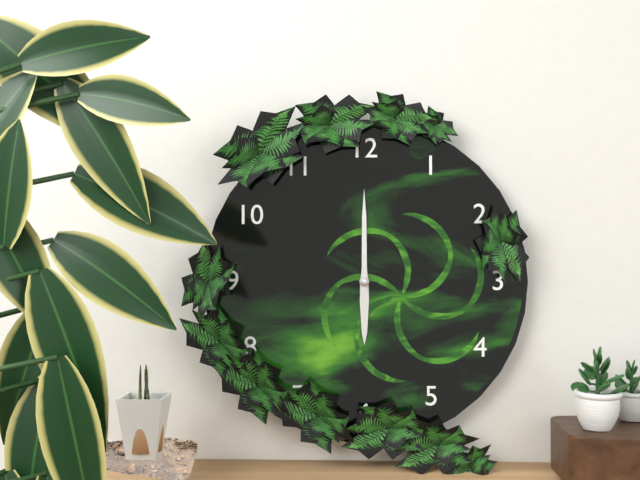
6:00
